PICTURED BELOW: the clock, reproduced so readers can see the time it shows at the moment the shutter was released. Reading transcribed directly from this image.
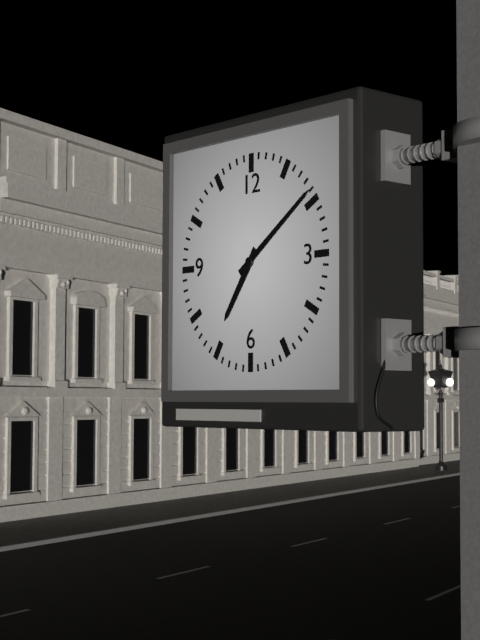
7:09
